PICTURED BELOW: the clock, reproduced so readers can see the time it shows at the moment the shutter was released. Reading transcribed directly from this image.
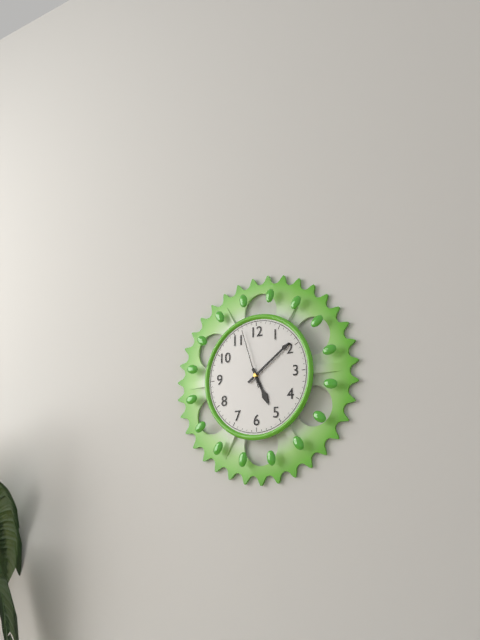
5:09:57
